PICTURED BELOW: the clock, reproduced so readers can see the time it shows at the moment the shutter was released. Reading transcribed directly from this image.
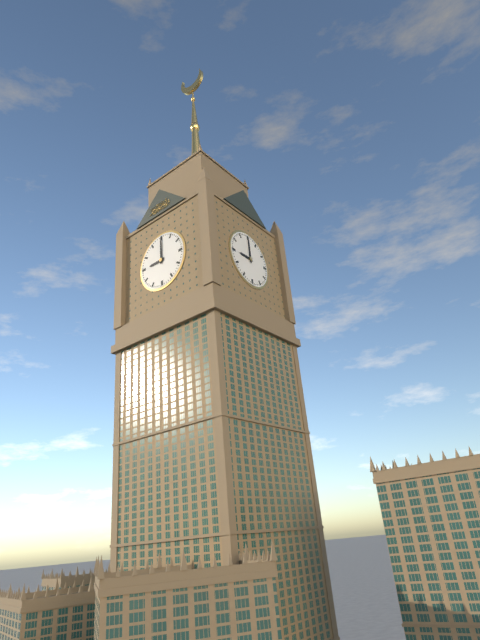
9:00
